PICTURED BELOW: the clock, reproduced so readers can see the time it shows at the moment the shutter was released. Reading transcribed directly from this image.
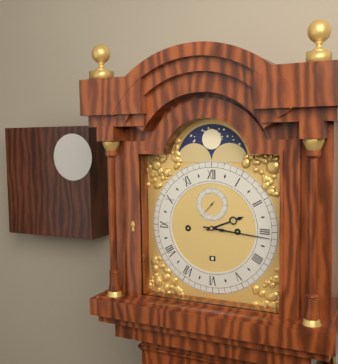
2:16
